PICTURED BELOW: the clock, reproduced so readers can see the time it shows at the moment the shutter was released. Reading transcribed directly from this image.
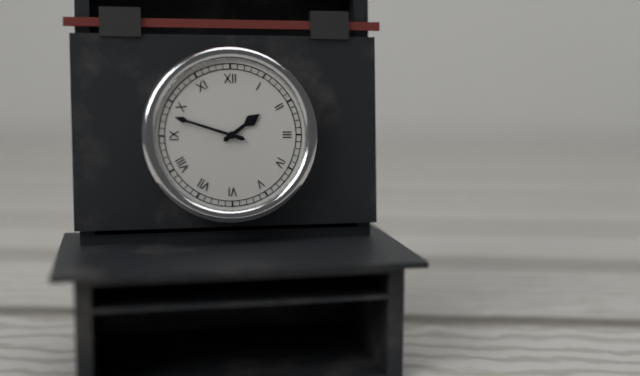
1:48
